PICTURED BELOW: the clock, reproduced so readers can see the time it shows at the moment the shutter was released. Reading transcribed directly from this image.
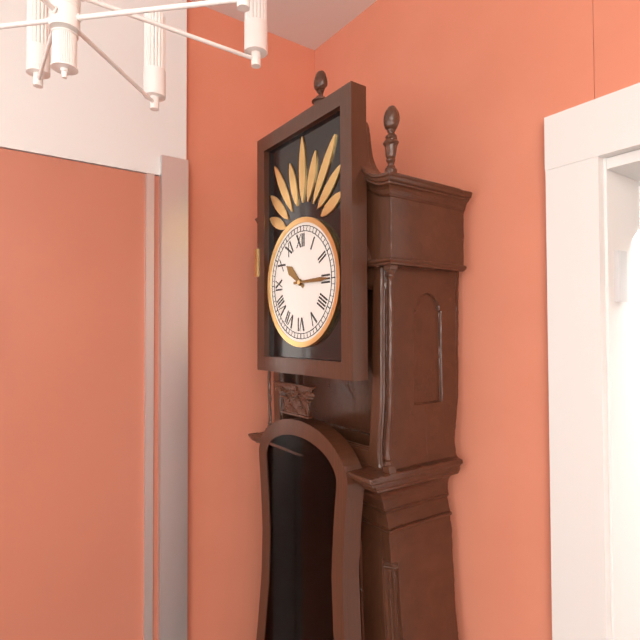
10:15
